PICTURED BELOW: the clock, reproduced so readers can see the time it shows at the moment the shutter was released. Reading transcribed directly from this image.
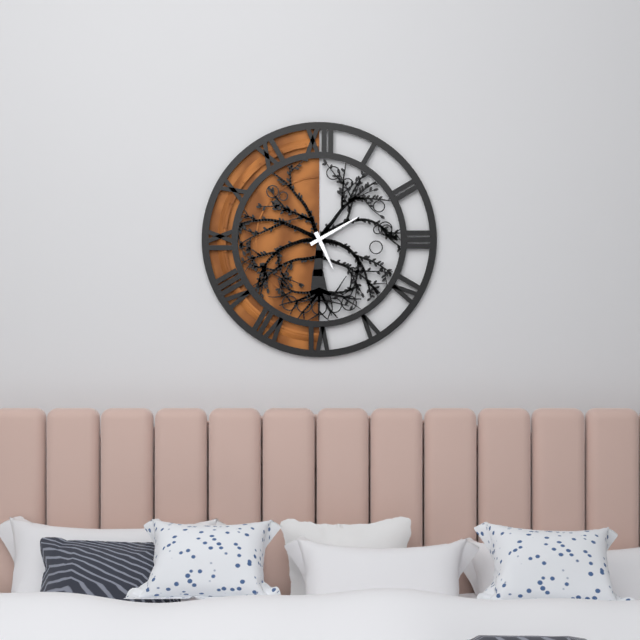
5:10
